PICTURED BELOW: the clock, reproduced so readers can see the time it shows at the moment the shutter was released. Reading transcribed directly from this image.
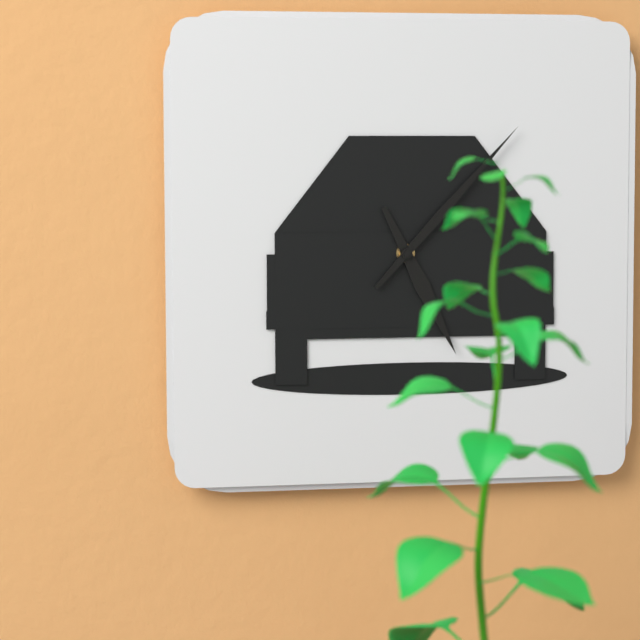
5:07
